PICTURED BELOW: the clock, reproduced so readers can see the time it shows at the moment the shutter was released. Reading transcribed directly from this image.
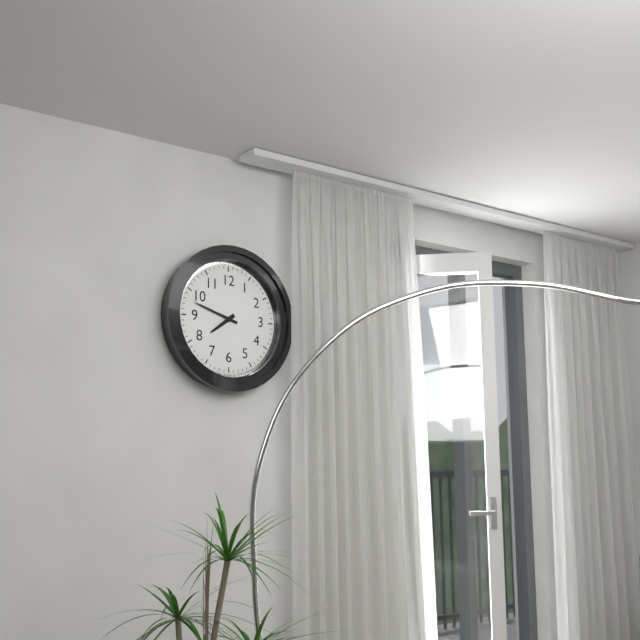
7:48
